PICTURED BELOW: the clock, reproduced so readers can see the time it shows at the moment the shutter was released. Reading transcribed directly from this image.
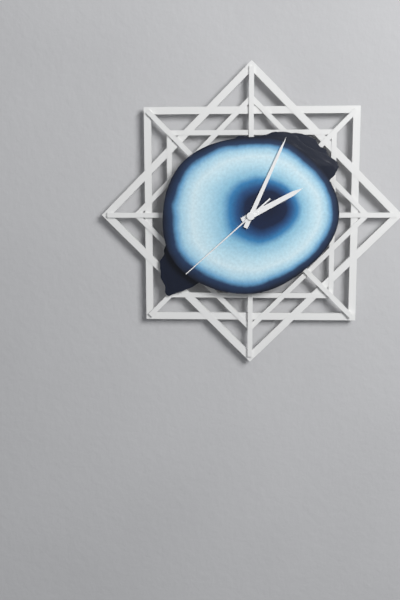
2:04:38
